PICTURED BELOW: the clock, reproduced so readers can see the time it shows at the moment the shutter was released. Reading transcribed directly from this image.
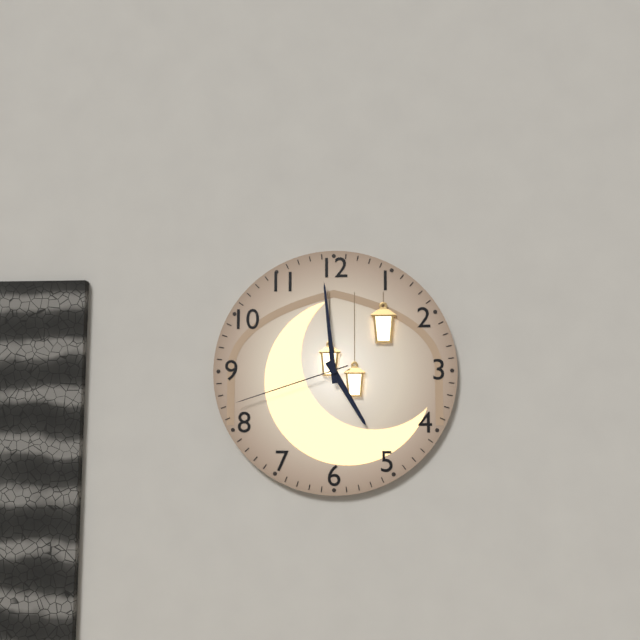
4:59:42
